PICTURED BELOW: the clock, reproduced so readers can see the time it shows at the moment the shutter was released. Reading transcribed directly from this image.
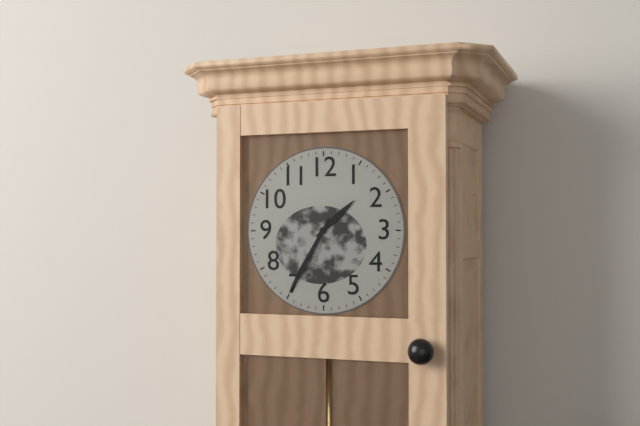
1:35
